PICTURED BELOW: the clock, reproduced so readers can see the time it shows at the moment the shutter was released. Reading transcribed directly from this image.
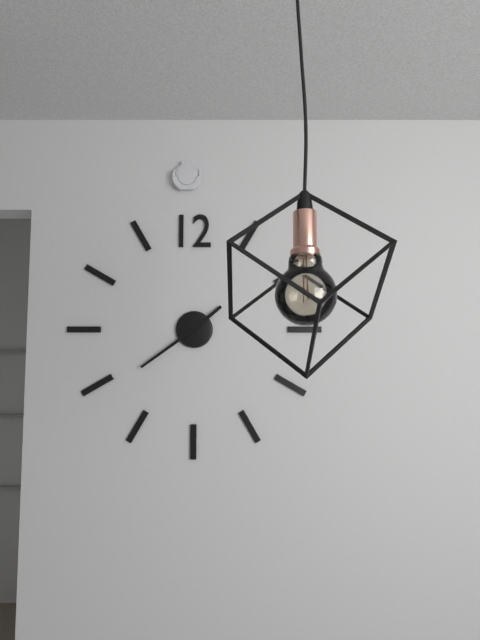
1:39
